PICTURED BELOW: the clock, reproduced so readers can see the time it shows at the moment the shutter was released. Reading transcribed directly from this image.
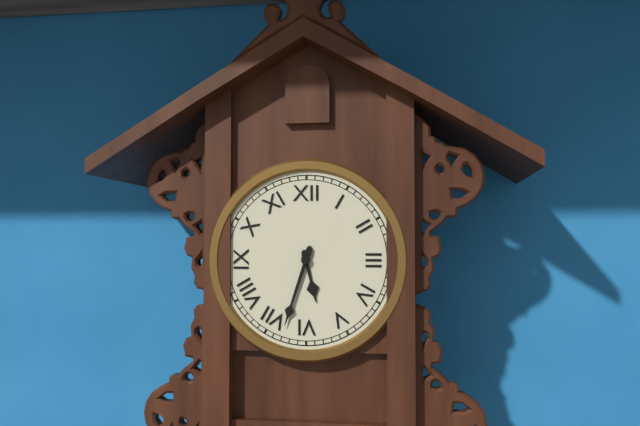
5:33
